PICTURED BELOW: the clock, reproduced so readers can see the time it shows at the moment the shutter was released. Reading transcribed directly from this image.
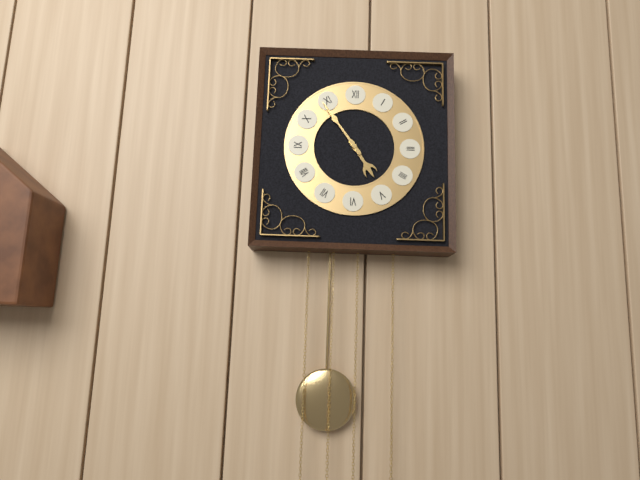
4:54
